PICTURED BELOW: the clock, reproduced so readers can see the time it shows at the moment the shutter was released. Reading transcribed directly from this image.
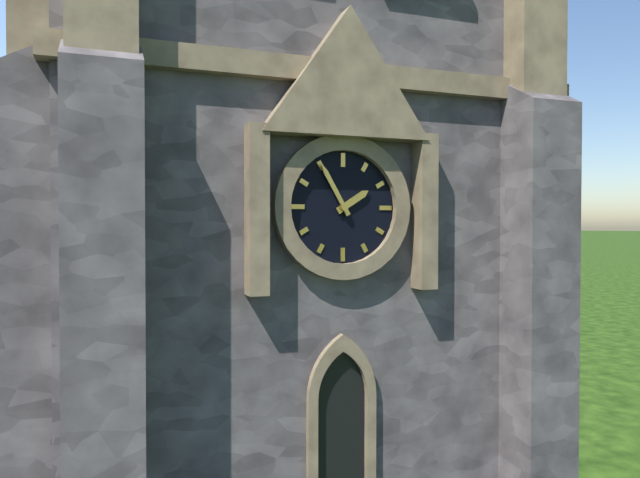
1:55
